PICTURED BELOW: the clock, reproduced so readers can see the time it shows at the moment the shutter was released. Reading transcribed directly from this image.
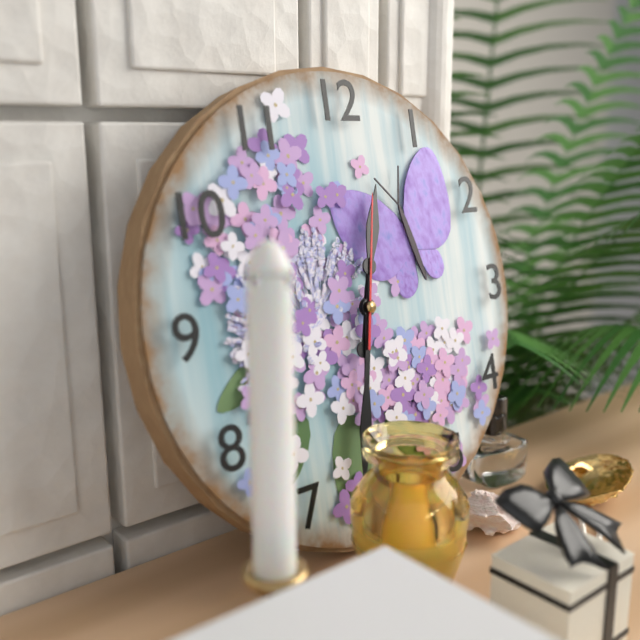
12:32:02
